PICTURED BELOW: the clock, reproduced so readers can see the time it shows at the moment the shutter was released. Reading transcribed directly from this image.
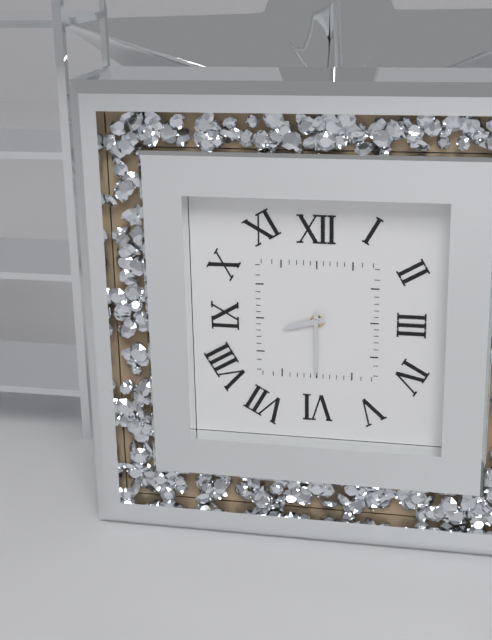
8:30
